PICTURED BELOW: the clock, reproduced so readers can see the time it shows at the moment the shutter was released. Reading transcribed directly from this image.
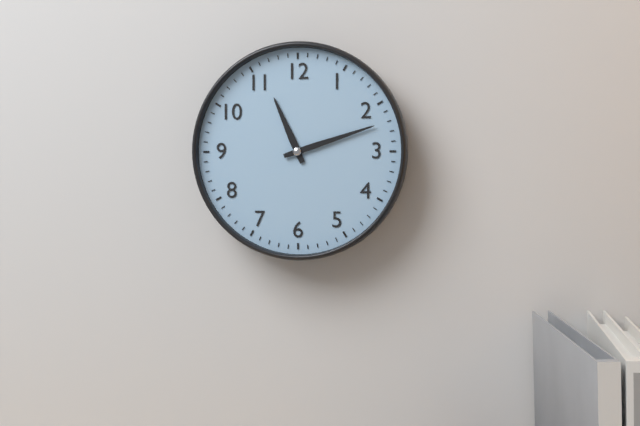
11:12
